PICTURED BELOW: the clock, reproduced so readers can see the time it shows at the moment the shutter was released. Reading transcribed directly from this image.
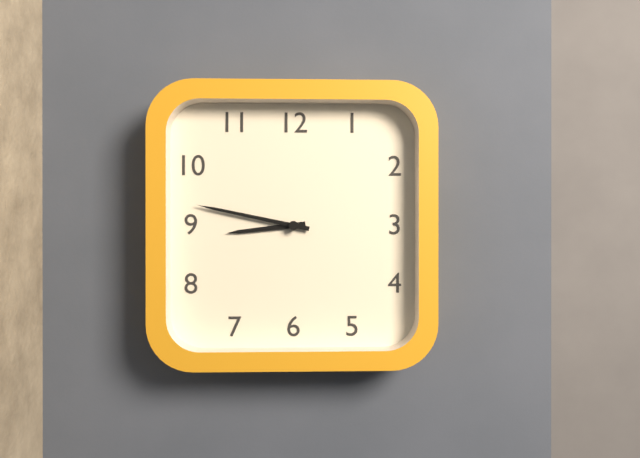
8:47
